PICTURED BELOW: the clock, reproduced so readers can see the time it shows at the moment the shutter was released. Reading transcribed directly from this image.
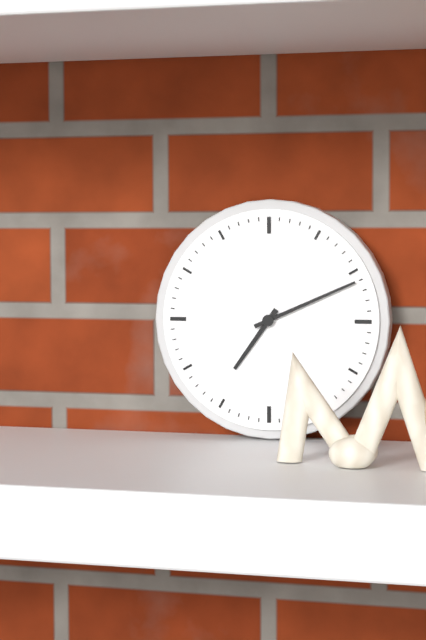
7:11
